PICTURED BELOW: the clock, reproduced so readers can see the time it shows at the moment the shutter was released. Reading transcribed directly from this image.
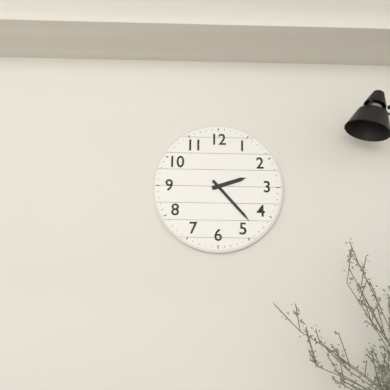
2:23
